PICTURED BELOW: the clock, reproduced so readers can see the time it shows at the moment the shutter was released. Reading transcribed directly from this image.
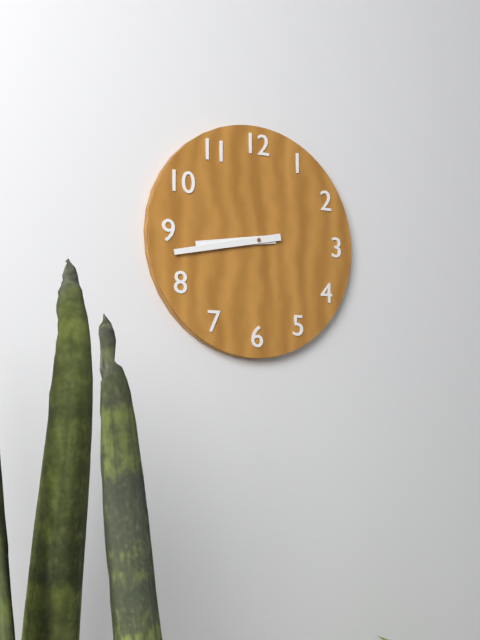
8:43
